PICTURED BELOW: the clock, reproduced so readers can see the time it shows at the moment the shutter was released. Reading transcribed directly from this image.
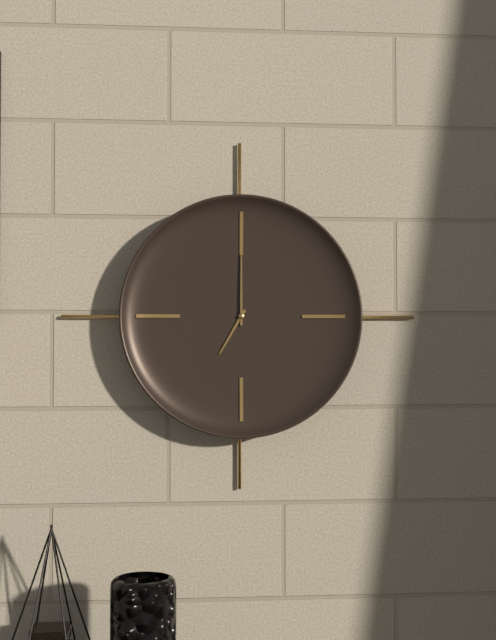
7:00
